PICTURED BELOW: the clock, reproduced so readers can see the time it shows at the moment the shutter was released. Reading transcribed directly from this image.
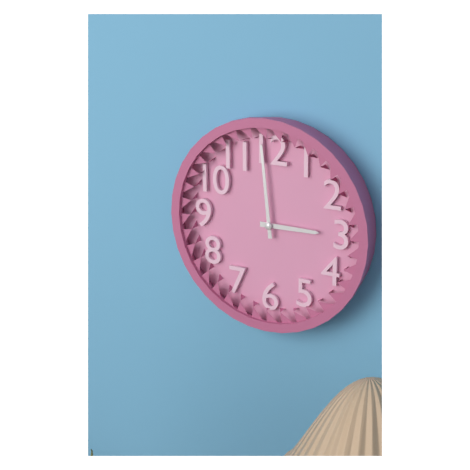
2:59
